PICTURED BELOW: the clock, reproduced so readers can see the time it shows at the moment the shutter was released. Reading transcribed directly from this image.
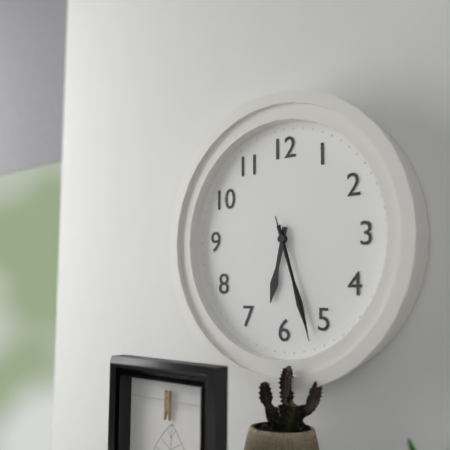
6:27:27
